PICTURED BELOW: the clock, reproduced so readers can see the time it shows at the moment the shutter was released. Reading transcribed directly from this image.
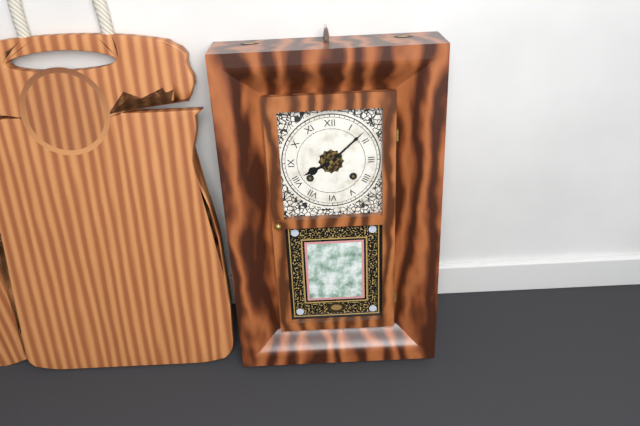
8:08
